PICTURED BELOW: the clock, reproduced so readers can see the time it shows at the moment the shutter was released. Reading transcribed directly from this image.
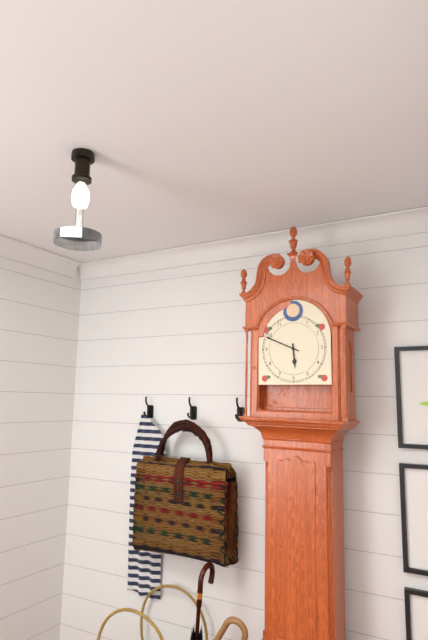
5:49
